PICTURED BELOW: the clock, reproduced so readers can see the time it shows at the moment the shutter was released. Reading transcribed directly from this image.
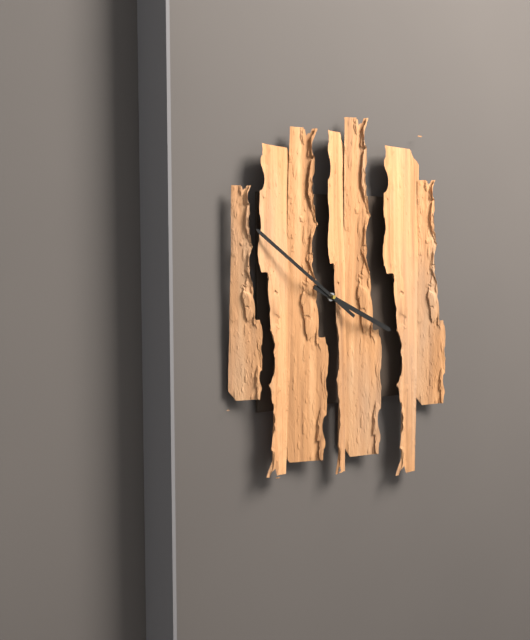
3:51
